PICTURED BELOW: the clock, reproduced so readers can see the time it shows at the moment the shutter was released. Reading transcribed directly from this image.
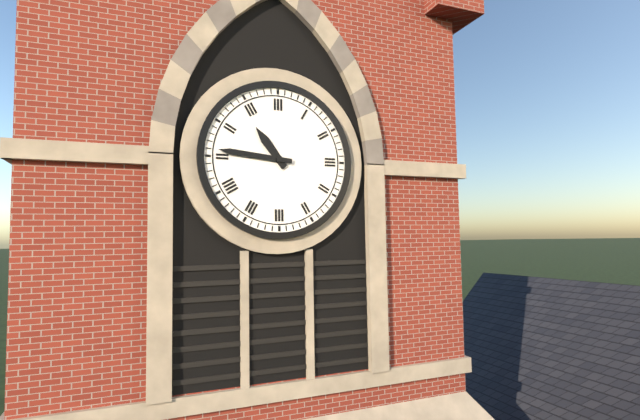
10:46
